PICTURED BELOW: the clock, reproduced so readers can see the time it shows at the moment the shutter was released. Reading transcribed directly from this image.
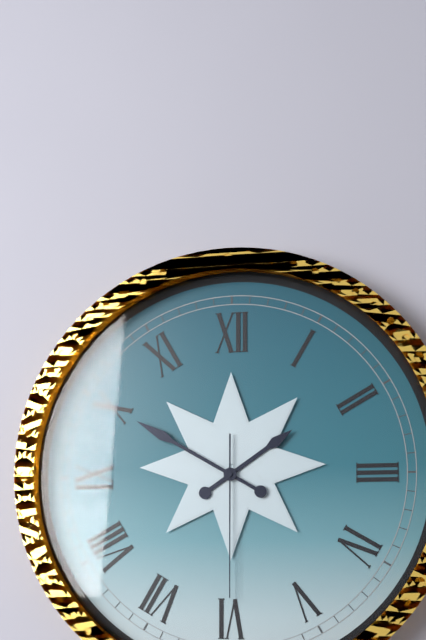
1:50:30
